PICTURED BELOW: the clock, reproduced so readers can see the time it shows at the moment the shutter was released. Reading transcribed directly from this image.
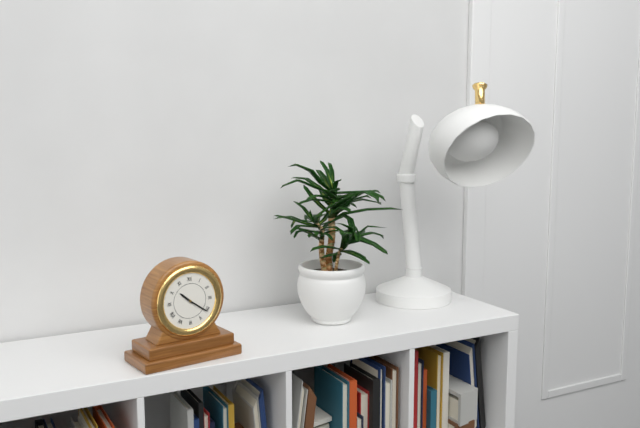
10:21
